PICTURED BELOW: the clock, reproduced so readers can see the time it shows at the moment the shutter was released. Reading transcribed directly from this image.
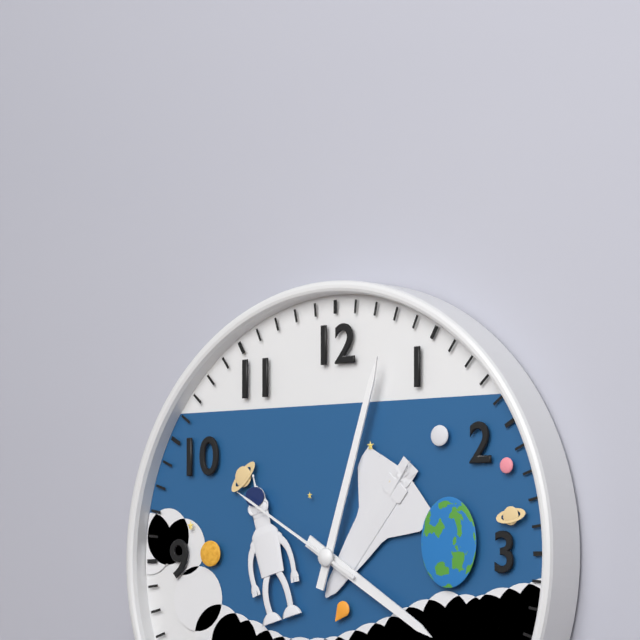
4:03:50
